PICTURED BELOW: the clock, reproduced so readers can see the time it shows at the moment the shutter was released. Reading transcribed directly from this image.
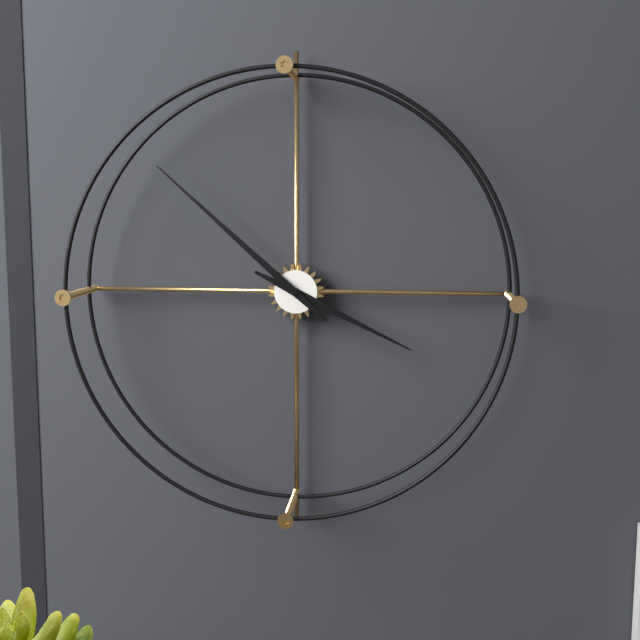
3:52
